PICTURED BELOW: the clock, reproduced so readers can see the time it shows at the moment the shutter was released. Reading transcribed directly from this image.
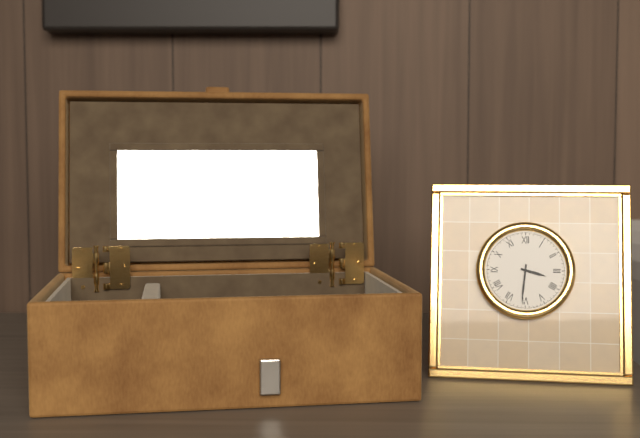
3:31
